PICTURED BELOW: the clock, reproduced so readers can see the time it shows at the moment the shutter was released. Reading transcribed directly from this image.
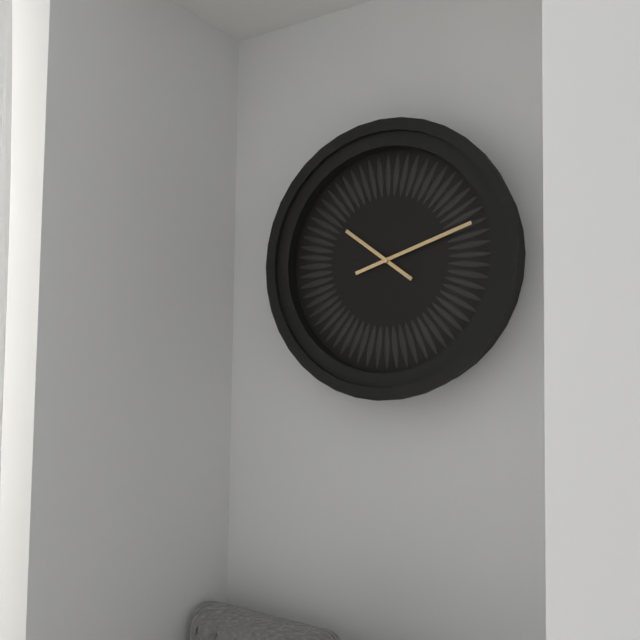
10:12
